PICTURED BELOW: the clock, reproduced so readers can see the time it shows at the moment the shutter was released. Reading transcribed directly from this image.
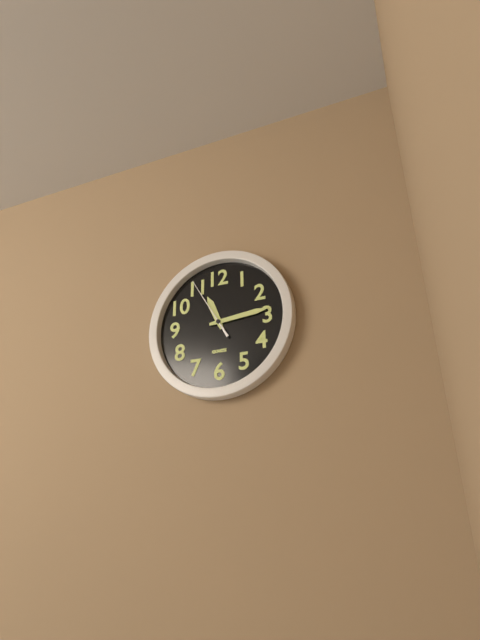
11:14:55
